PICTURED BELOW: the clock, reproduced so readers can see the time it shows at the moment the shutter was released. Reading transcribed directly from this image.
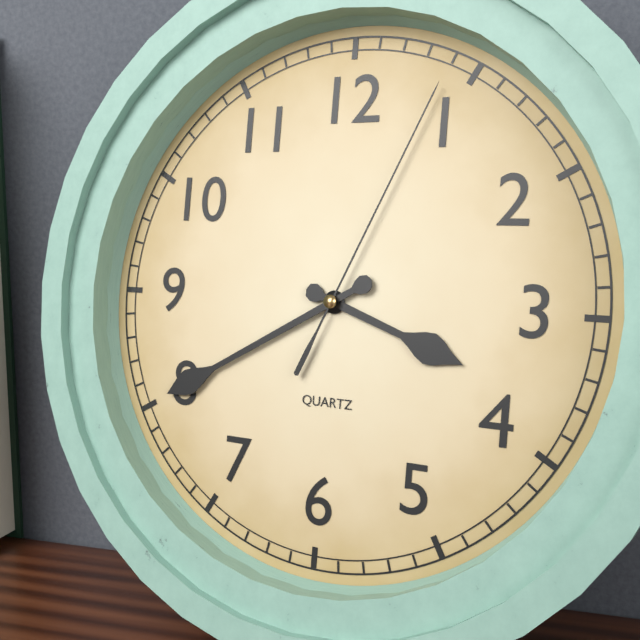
3:40:04
